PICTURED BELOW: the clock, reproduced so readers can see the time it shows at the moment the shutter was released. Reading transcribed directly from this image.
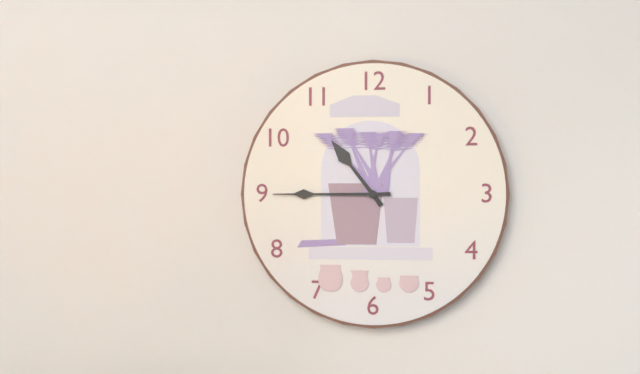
10:45
